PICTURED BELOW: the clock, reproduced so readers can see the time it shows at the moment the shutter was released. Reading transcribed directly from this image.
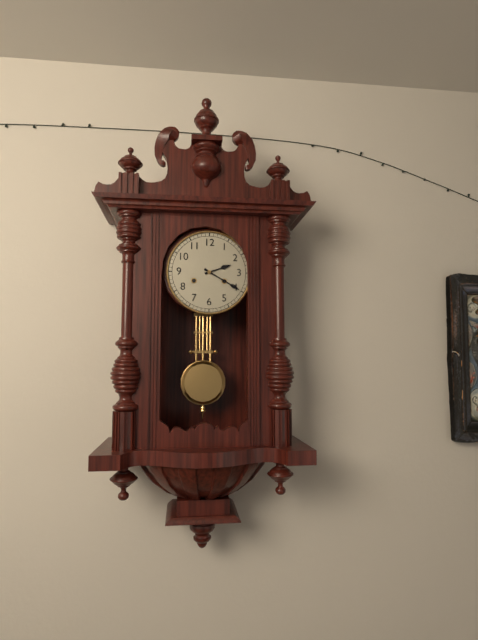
2:20
